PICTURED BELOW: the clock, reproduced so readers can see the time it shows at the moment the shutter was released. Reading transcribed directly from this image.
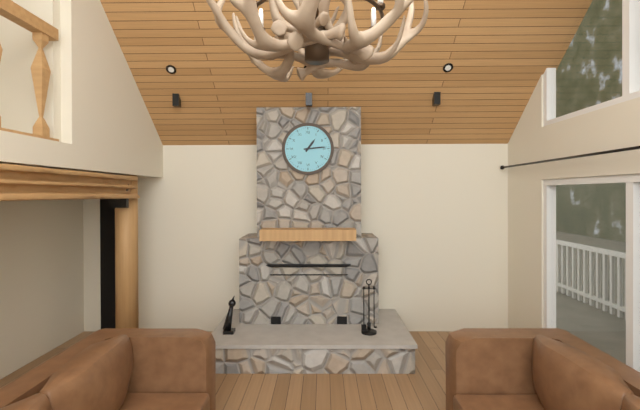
1:14
